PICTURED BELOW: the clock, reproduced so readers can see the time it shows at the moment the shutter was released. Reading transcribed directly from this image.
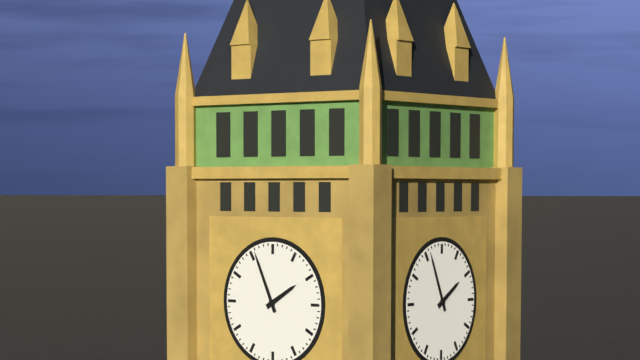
1:56
